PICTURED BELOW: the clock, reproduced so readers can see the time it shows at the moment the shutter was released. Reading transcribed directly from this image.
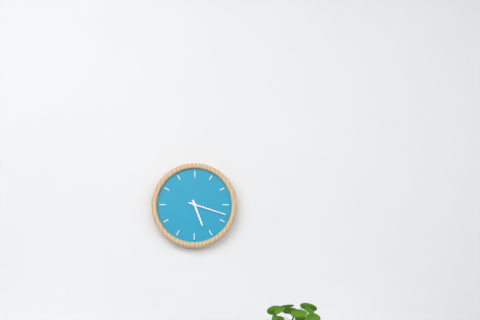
5:18
